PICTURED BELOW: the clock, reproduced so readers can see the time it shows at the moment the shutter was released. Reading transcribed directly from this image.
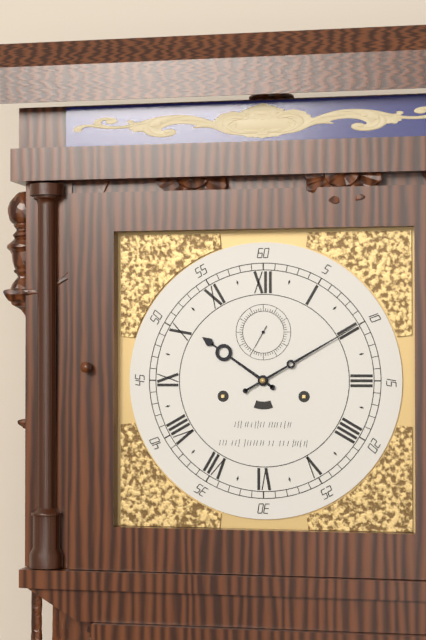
10:10
